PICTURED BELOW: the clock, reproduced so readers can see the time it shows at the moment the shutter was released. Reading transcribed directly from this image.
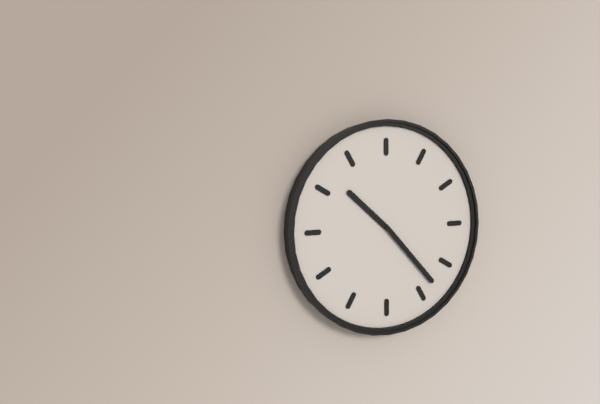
10:23
